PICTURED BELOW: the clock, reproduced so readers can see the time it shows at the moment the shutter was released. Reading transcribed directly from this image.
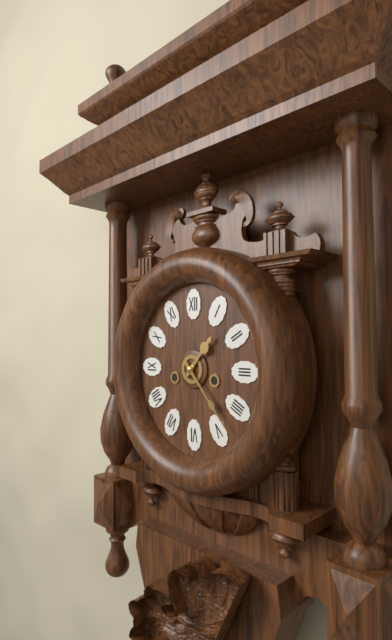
1:23
